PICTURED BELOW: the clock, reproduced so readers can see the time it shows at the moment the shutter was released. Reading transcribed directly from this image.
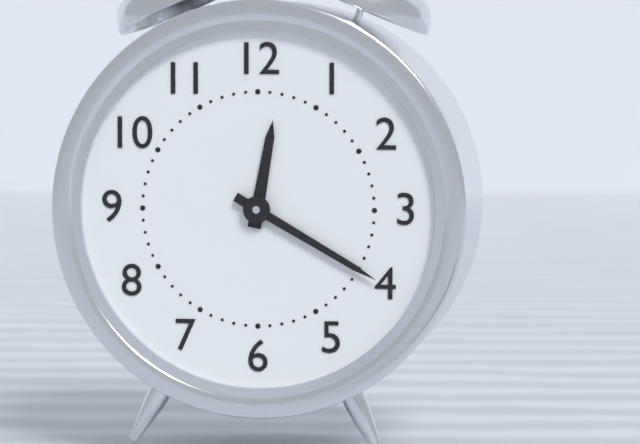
12:20
